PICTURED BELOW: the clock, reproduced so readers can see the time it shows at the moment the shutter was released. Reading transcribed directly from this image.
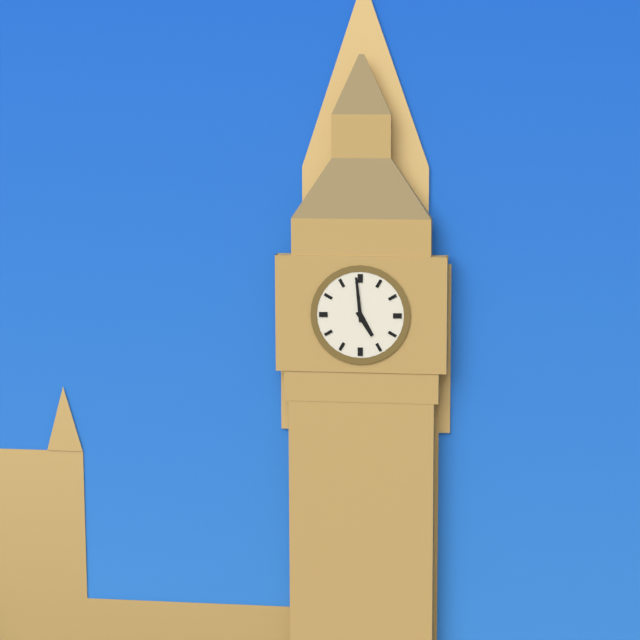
4:59
